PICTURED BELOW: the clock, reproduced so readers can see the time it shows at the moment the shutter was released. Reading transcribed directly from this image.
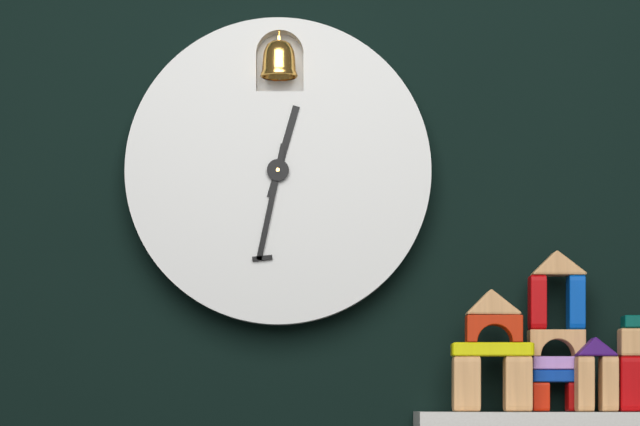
12:32
